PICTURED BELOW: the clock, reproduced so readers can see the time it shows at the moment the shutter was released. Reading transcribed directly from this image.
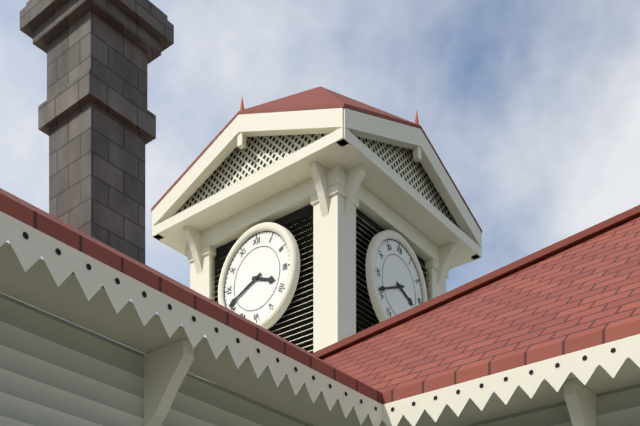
3:41
